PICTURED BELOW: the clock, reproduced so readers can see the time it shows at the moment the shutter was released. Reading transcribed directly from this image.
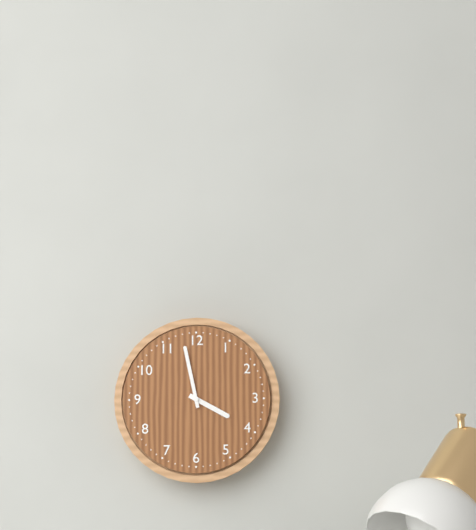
3:58
